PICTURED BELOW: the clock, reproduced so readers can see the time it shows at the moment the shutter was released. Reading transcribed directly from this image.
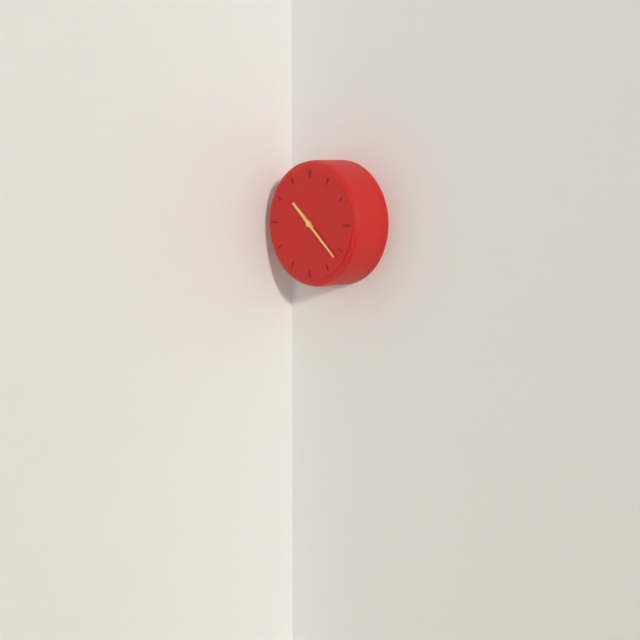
10:22
